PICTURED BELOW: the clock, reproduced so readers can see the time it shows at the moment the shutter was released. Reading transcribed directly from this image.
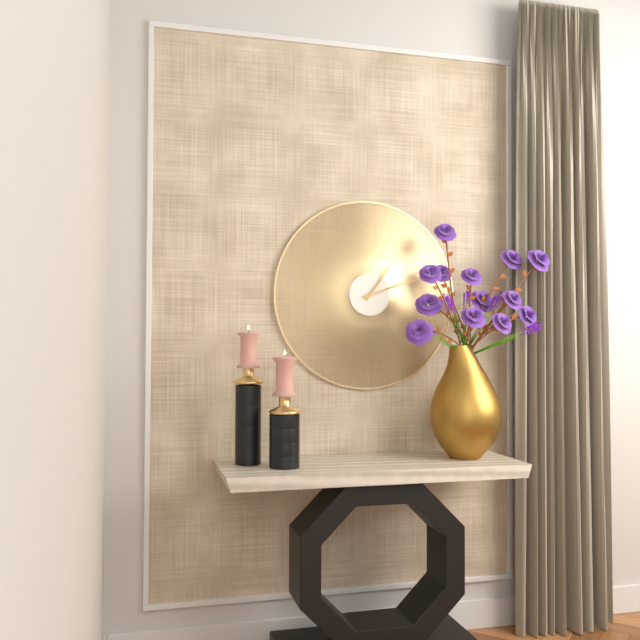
1:12
